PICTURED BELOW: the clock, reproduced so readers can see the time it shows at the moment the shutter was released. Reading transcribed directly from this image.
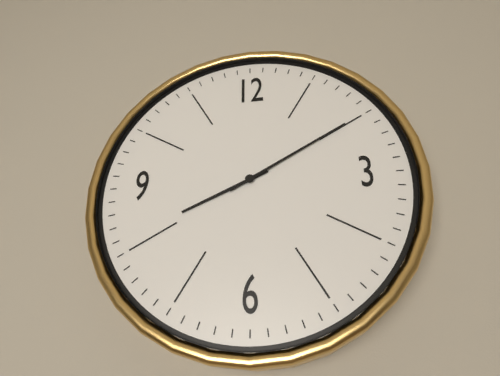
8:10
